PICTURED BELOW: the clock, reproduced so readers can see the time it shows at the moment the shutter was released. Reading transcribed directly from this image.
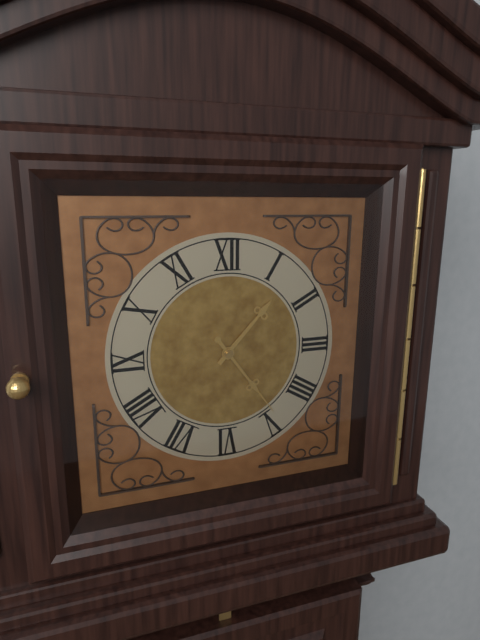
1:24
